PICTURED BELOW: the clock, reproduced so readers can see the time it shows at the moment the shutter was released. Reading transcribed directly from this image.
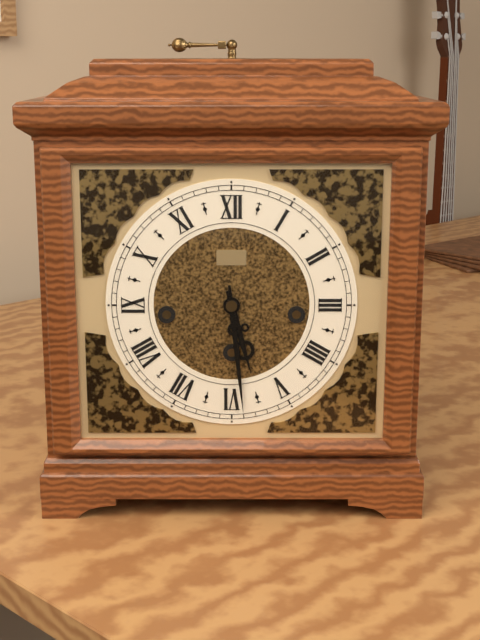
5:29
